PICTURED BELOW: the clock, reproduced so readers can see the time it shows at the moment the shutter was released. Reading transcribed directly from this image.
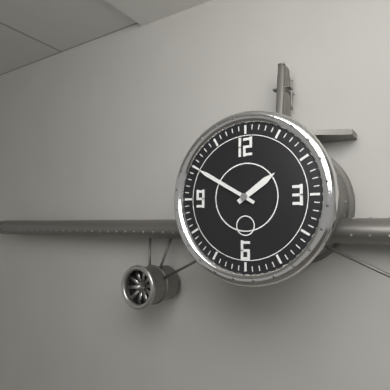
1:50
